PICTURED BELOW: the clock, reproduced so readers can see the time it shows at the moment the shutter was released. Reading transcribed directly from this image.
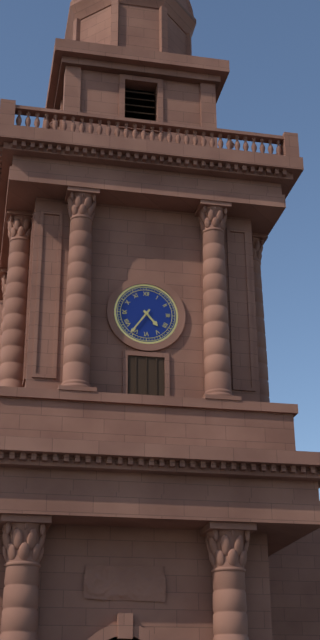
4:36
